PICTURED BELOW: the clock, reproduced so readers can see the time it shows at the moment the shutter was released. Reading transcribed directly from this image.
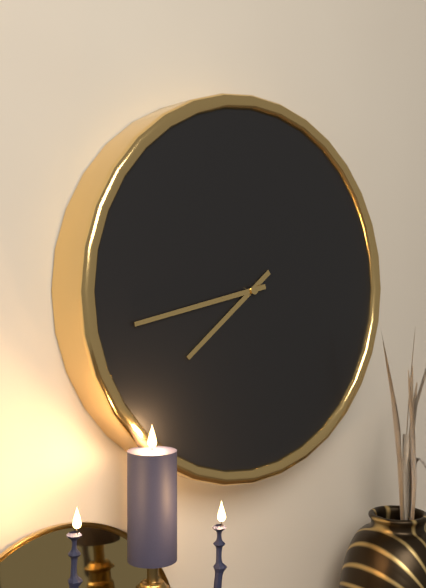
7:43
